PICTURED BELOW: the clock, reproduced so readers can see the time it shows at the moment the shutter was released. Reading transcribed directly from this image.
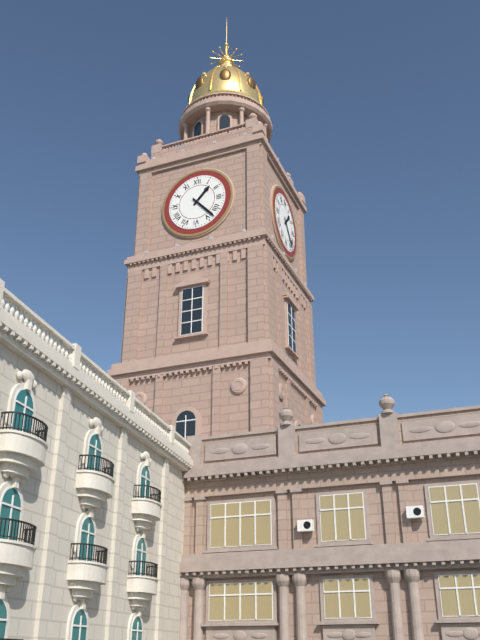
1:23
